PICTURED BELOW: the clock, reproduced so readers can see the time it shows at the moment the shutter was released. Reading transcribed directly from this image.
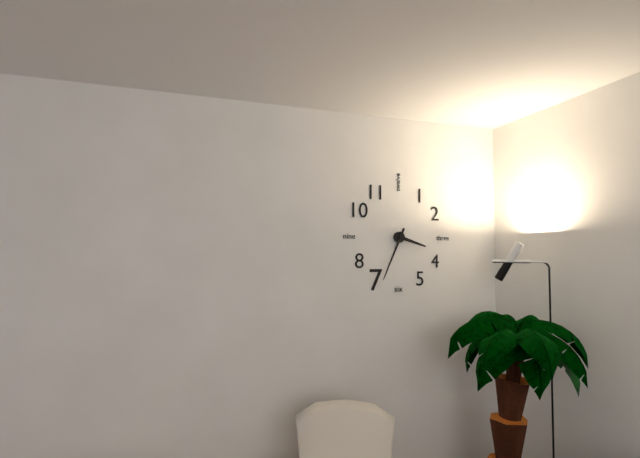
3:34
